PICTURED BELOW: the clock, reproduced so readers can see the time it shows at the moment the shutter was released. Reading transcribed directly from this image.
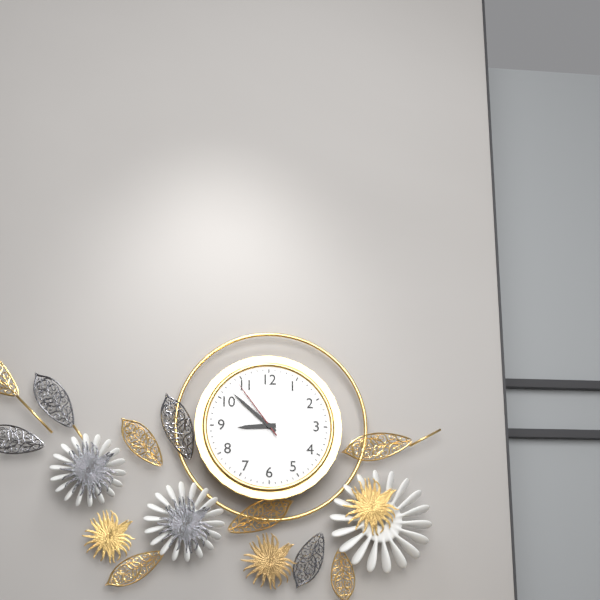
8:52:54
